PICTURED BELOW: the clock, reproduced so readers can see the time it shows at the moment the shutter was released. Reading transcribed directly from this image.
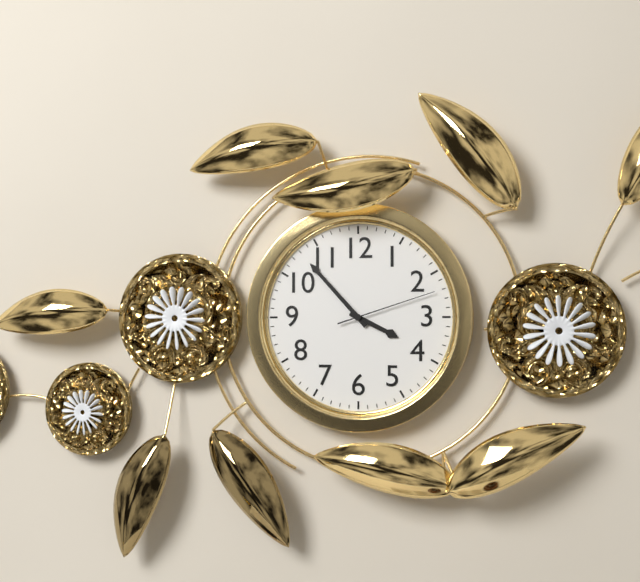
3:53:12
